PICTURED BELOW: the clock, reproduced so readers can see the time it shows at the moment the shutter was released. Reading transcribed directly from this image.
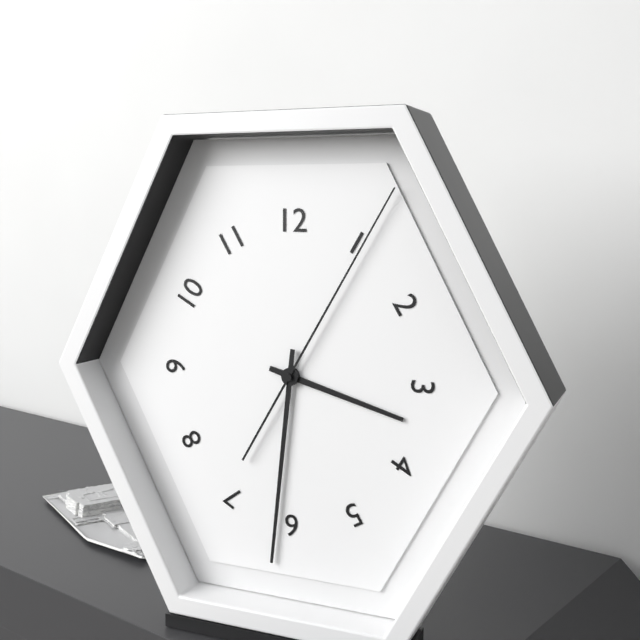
3:31:05
